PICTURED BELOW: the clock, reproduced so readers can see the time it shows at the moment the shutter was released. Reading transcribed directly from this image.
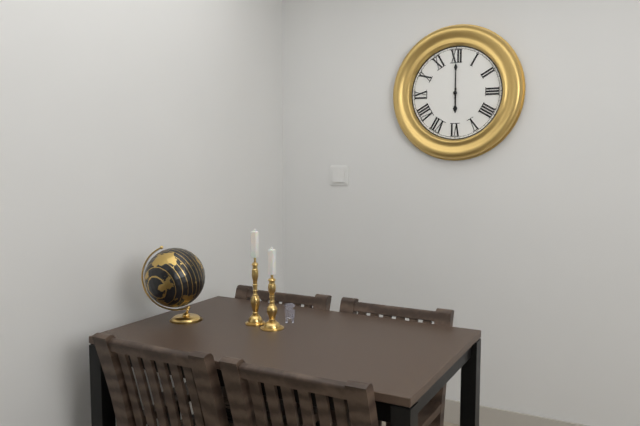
6:00
